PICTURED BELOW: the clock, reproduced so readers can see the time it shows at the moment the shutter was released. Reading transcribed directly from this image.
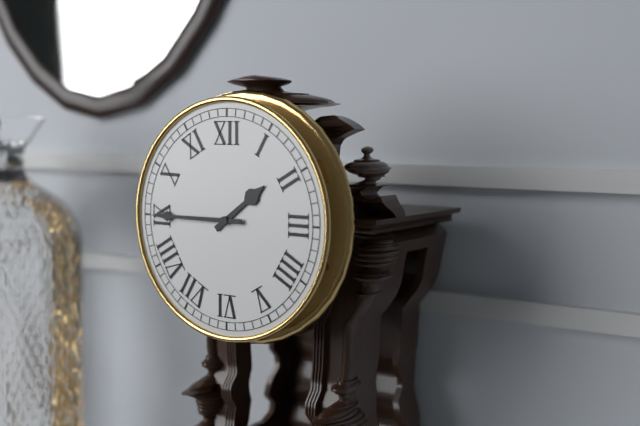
1:45
